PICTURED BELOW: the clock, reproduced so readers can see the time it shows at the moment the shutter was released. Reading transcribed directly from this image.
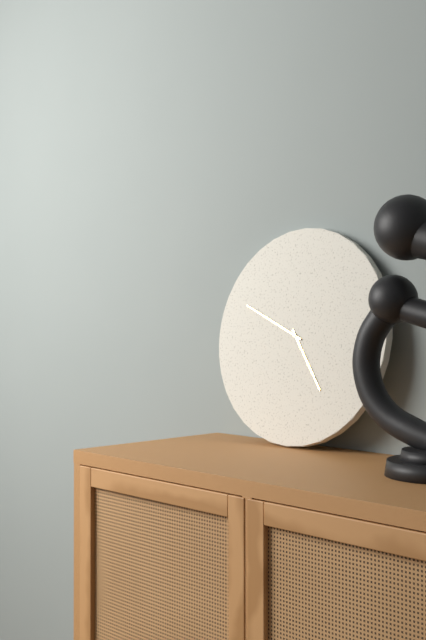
4:49
